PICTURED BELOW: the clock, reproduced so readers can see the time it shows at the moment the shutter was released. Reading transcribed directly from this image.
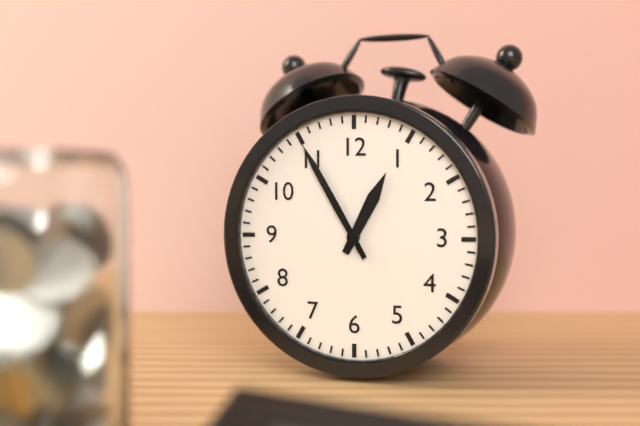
12:55
